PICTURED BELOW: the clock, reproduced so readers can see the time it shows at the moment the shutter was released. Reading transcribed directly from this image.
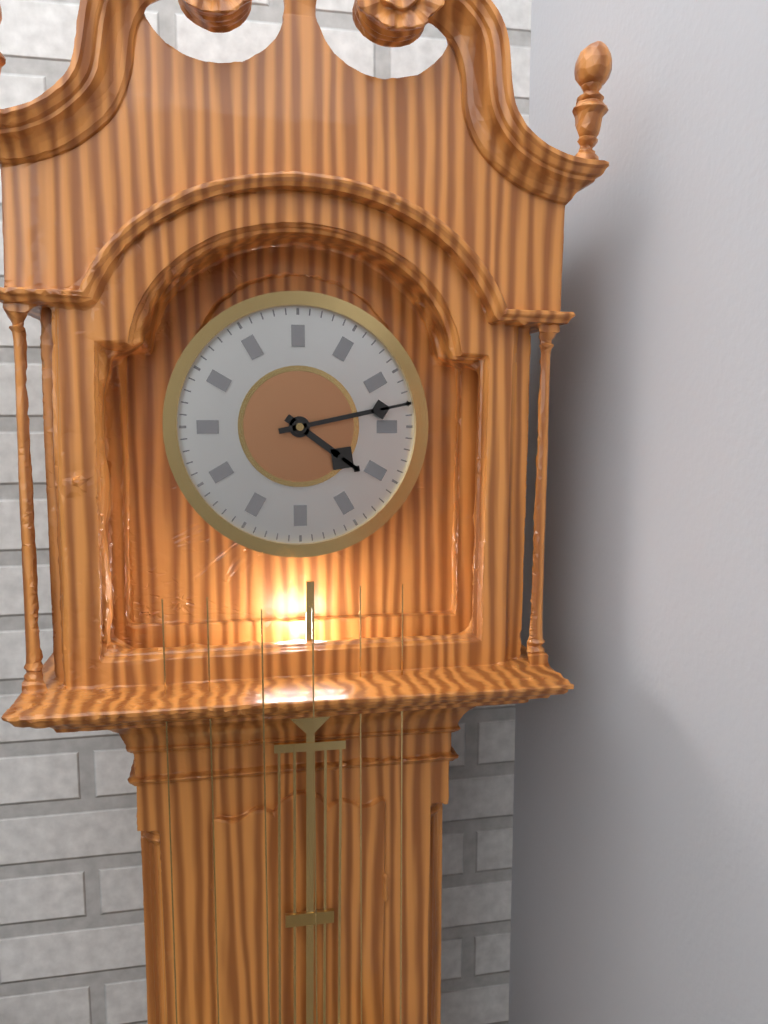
4:13
